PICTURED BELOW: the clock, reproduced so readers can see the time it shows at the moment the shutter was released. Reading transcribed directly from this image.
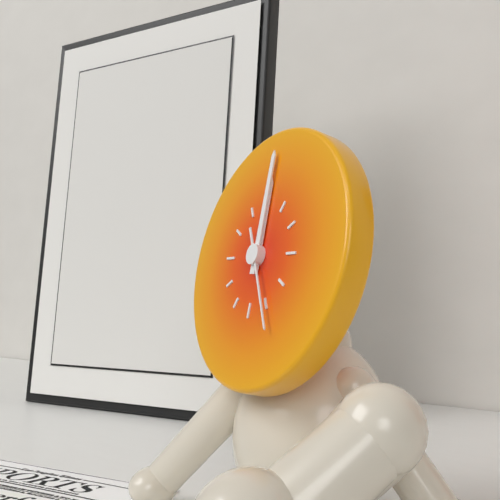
12:00:25
